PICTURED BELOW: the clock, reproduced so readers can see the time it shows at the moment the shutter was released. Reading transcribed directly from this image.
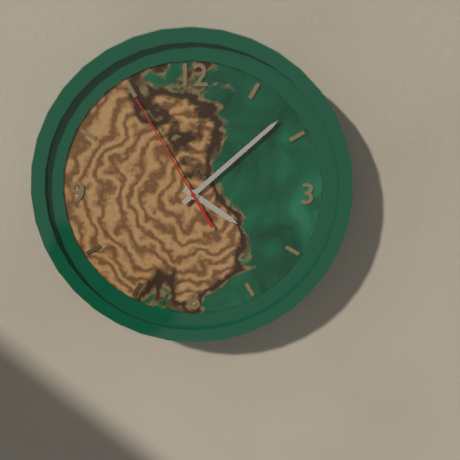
4:08:55
